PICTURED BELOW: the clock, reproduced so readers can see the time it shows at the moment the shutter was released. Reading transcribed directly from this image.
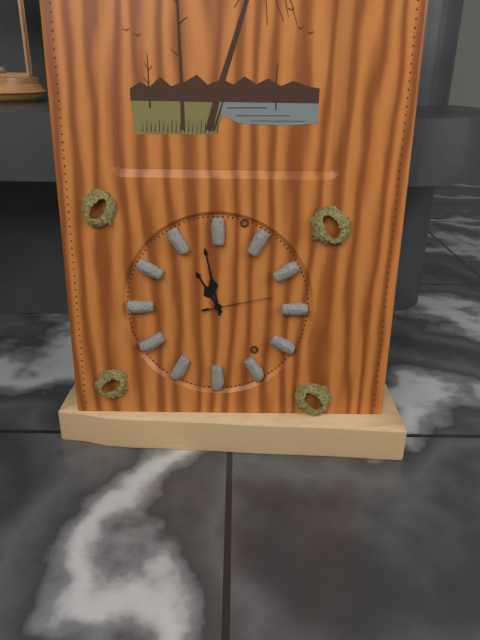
10:58:13
